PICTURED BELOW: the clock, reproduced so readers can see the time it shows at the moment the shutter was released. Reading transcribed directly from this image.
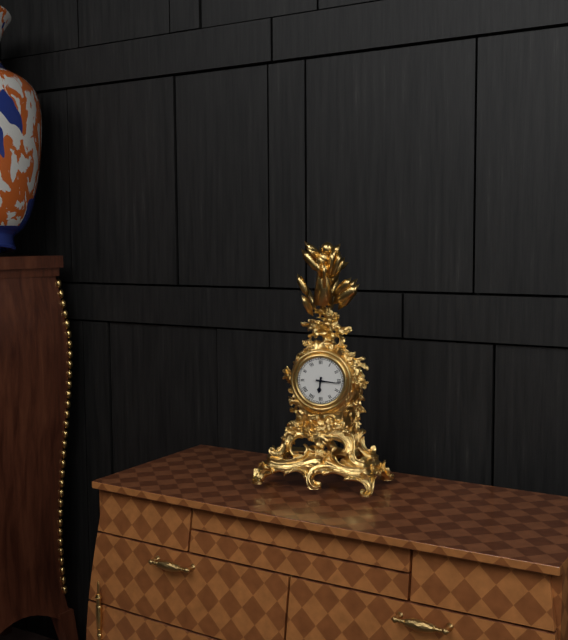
6:16
